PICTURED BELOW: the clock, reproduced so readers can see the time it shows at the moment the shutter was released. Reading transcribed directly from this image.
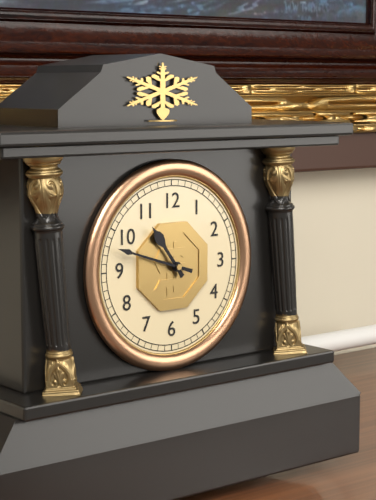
10:48
